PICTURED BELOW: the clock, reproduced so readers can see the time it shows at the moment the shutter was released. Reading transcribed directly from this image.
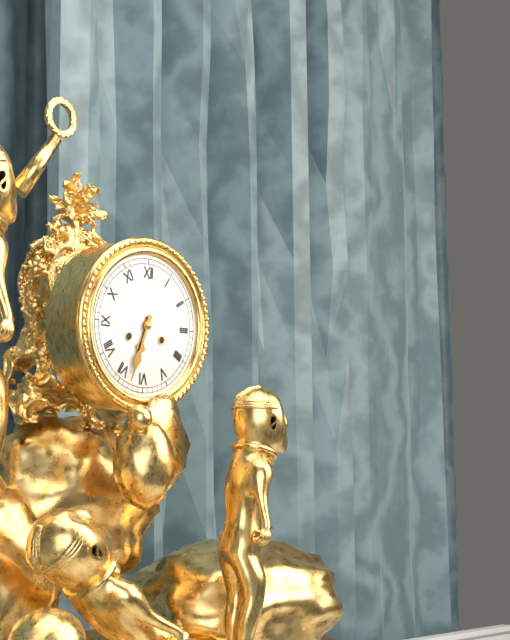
6:33
